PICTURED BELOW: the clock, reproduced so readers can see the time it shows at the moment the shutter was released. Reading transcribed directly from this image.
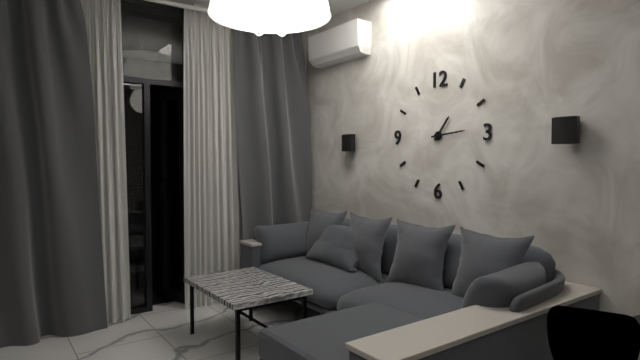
1:14
